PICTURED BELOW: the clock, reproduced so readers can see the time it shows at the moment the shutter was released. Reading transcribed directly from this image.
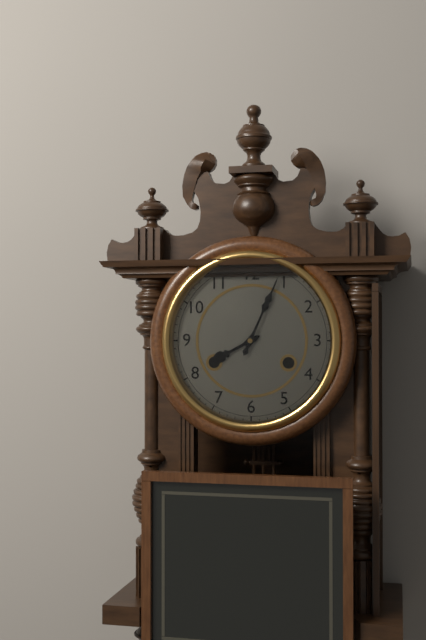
8:04
